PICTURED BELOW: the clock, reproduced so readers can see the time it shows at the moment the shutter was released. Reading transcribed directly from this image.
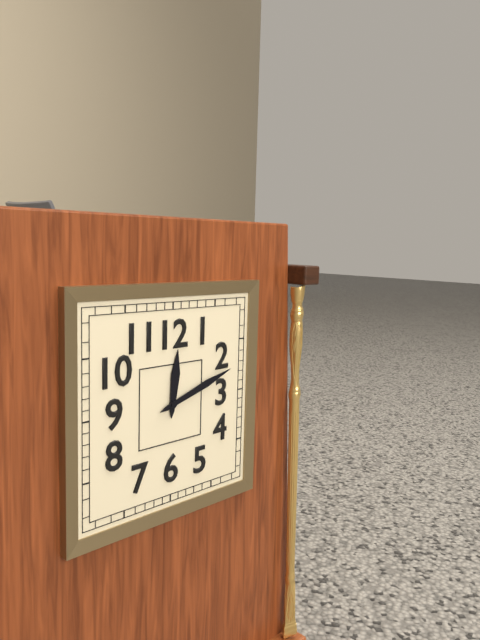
12:12
